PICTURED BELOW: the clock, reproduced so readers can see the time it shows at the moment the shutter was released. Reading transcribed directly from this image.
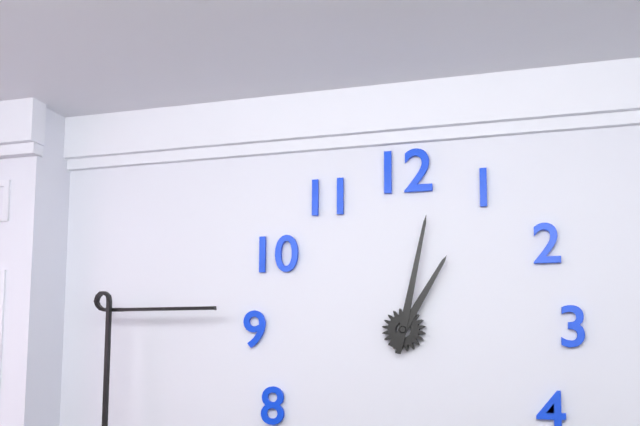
1:02
